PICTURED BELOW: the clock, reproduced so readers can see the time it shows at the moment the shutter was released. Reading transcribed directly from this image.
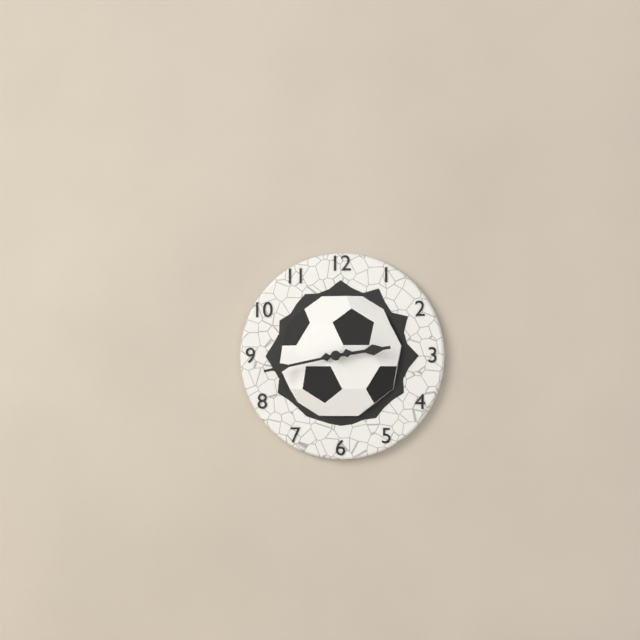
2:43
